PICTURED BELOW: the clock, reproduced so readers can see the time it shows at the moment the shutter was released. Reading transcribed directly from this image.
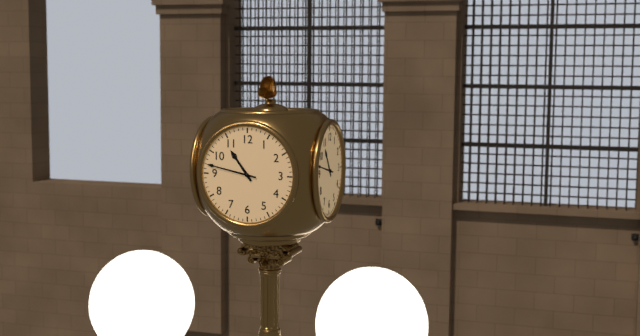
10:47
